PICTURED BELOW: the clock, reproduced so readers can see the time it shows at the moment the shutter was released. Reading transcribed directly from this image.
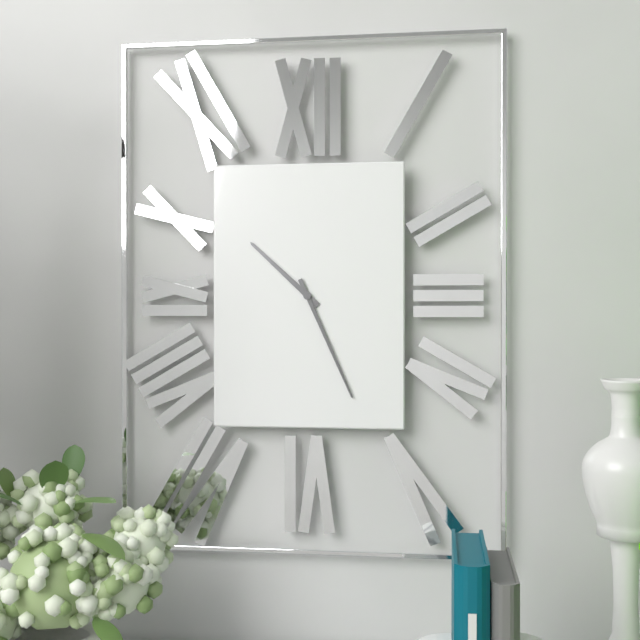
10:26
